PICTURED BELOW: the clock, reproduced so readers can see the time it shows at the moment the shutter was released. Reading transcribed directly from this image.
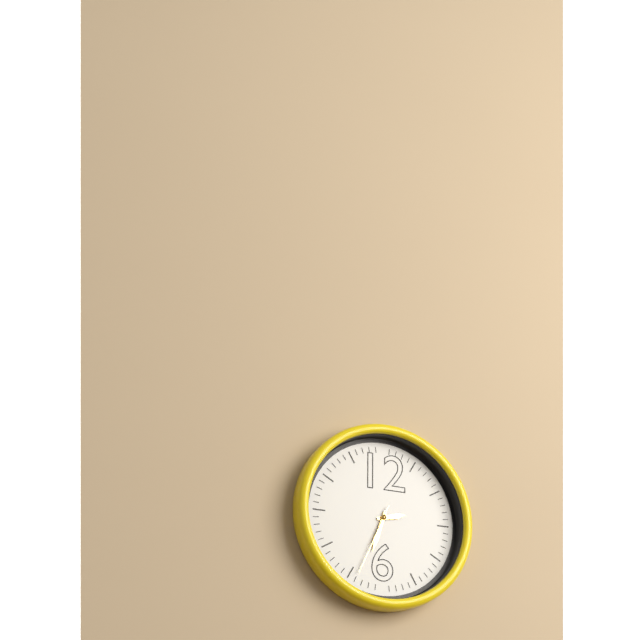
2:33:34
